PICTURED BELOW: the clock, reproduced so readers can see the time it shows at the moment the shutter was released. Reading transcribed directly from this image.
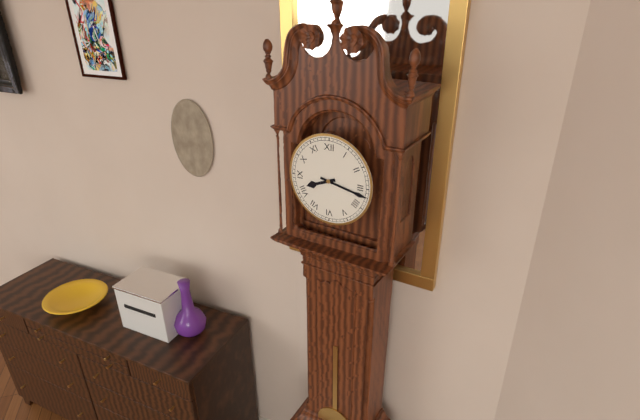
8:17
